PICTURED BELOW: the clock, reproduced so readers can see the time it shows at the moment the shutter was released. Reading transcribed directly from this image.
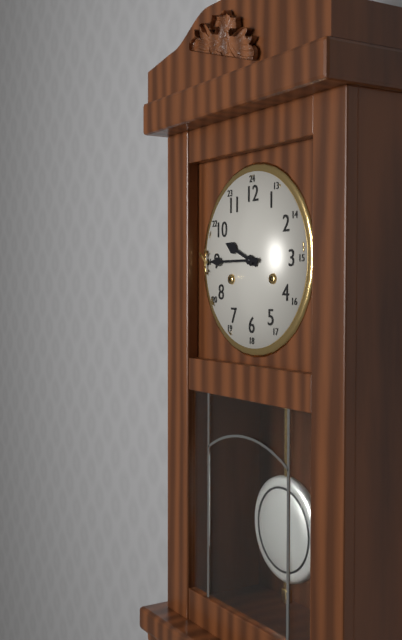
9:45
